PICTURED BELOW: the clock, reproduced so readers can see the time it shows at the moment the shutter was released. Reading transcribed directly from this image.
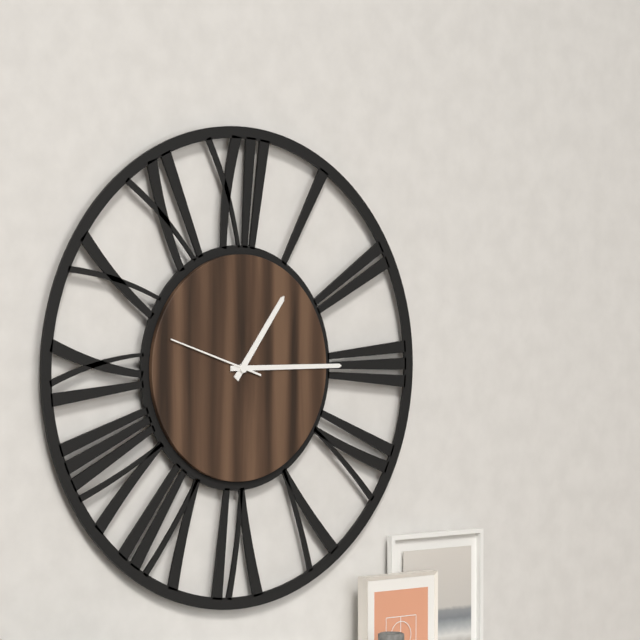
1:15:48
